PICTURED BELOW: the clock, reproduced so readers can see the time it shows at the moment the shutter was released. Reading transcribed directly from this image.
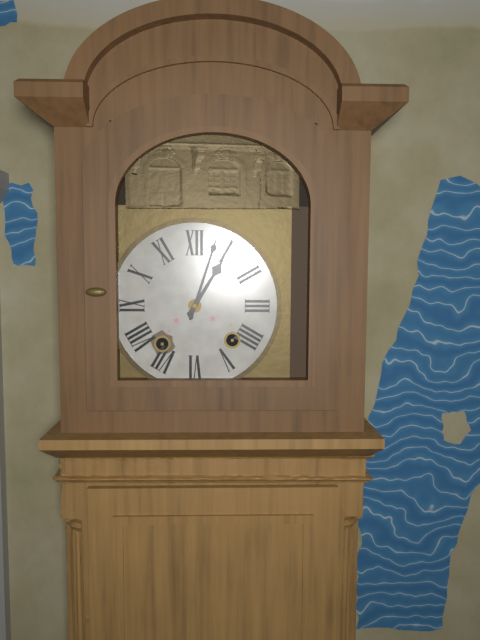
1:03
